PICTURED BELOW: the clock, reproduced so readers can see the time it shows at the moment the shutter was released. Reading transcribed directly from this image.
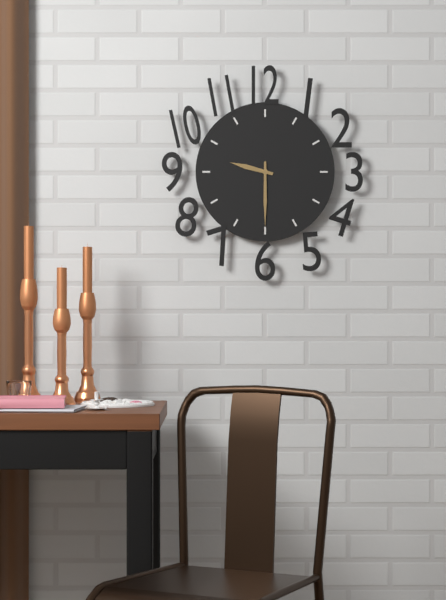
9:30
